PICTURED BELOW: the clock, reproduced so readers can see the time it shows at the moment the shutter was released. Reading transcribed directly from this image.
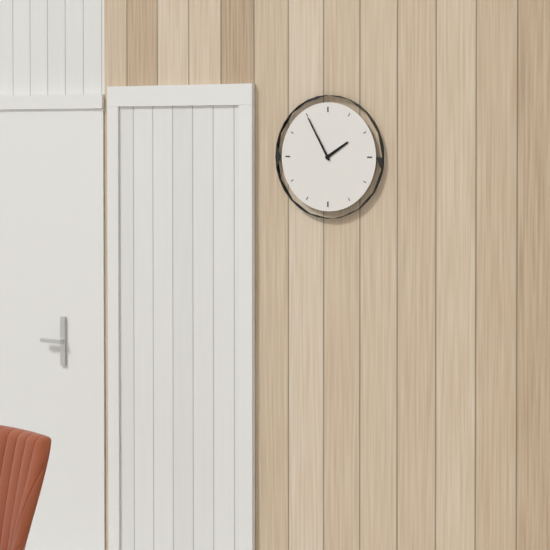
1:55
